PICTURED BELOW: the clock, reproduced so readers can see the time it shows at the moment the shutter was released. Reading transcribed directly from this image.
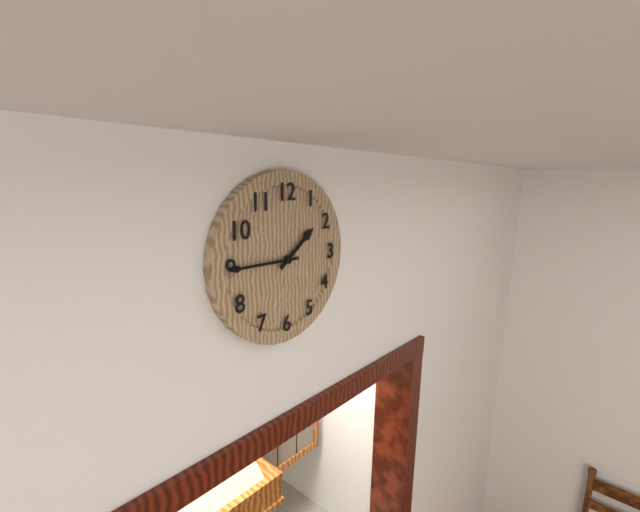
1:45
